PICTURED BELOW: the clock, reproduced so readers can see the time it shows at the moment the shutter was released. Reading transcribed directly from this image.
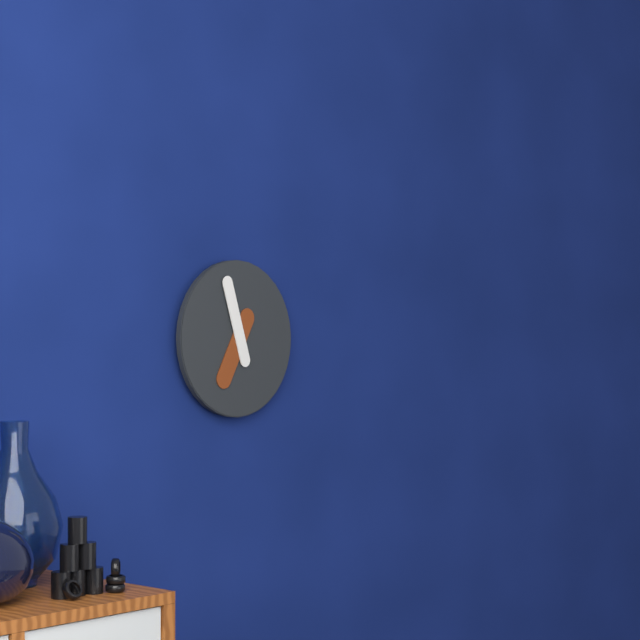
6:57
